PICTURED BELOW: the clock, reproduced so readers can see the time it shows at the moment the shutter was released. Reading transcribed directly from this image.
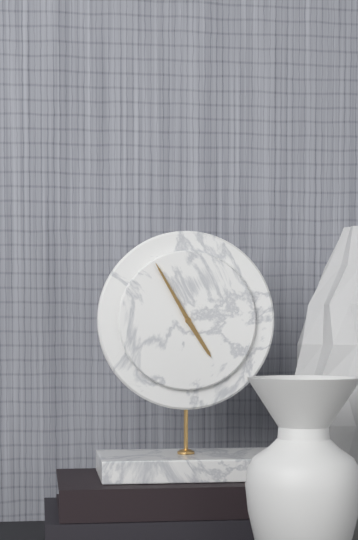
4:55
